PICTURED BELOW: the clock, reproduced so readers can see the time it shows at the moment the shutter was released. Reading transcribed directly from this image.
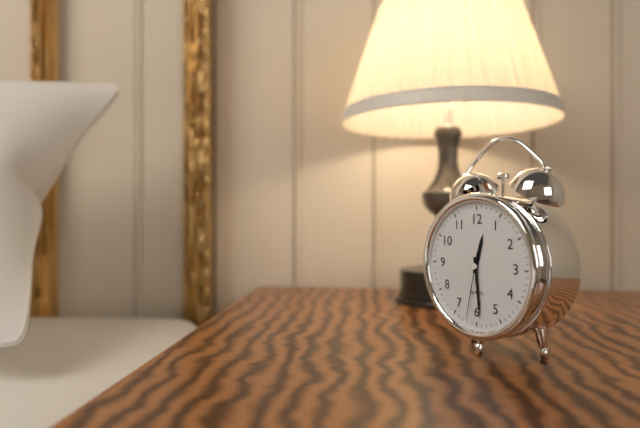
12:29:32
